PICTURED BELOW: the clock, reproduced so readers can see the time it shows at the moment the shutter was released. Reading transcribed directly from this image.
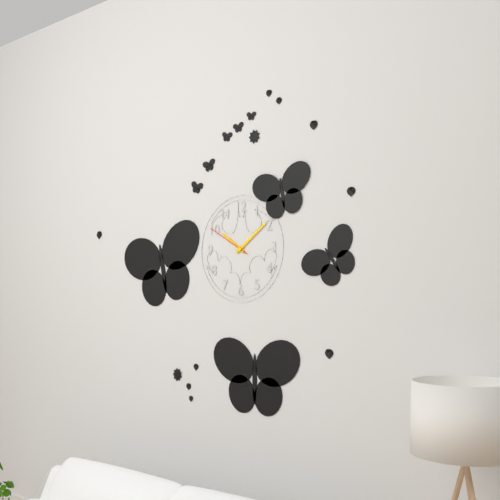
10:09
